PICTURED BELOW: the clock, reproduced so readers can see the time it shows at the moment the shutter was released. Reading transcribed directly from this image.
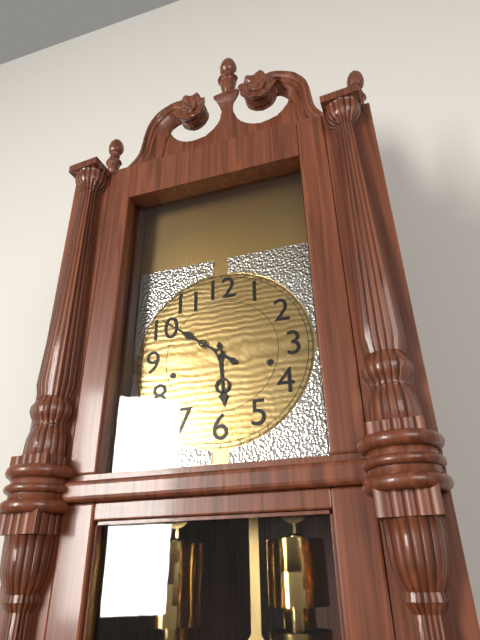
5:51
